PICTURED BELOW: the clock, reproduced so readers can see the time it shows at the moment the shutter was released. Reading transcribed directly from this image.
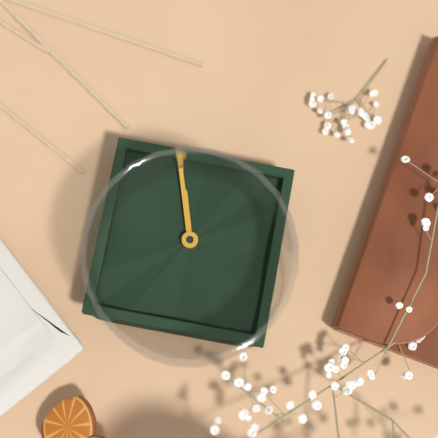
5:27
